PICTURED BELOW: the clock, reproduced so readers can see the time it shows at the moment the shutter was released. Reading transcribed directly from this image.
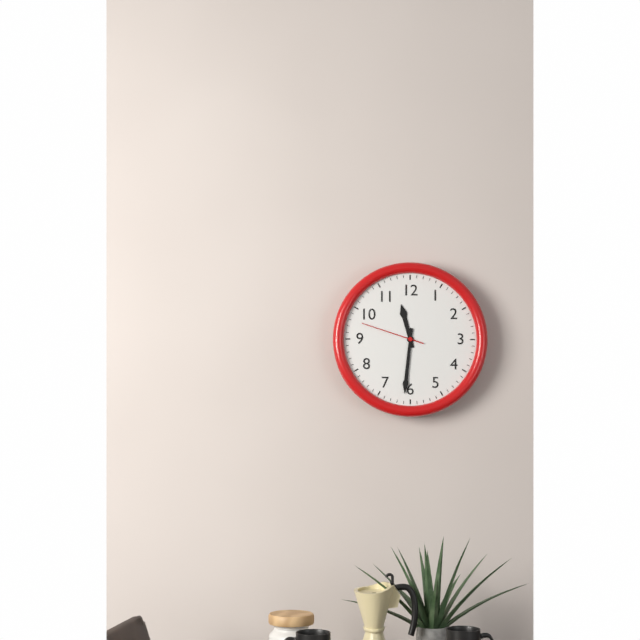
11:31:48
